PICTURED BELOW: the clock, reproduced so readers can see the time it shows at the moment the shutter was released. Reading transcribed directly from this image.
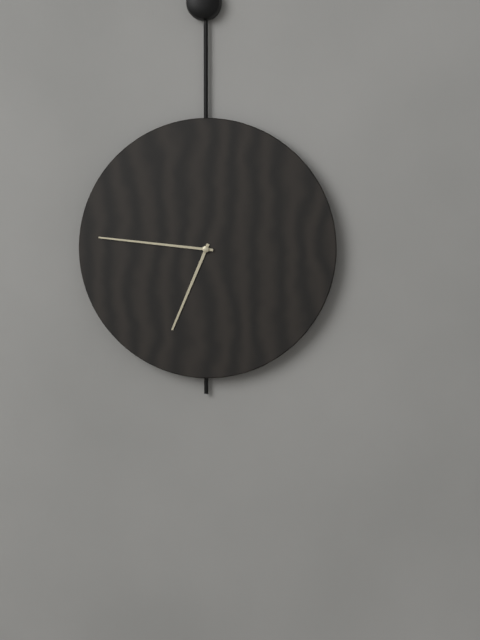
6:46
